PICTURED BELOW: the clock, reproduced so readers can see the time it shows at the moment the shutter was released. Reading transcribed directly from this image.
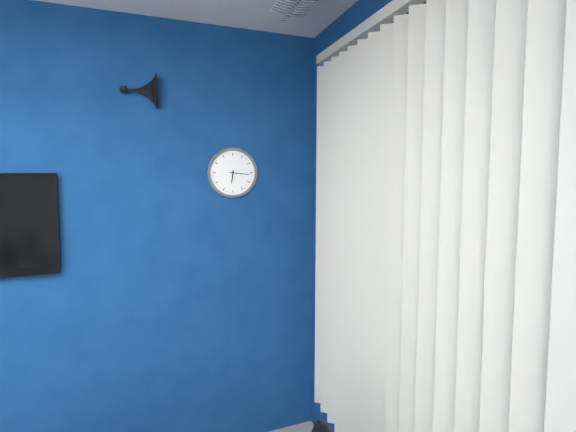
6:16
